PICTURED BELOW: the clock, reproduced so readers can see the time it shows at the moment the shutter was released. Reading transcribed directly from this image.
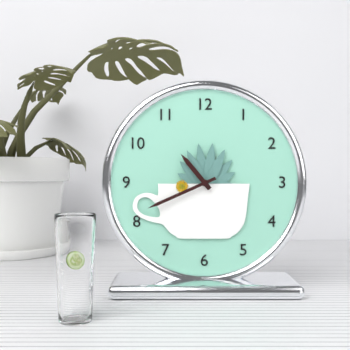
10:41
